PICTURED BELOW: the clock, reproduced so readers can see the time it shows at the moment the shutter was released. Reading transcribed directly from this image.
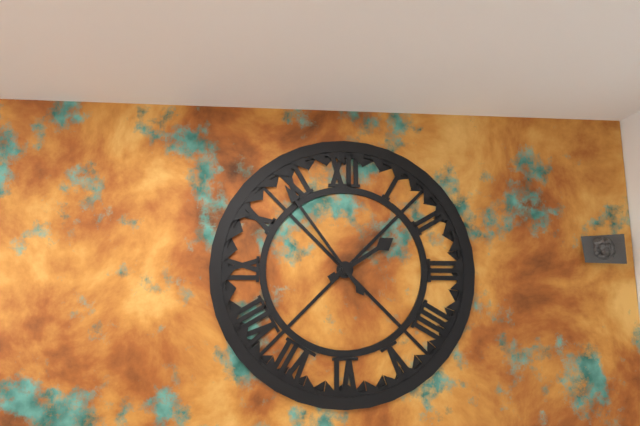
1:54
